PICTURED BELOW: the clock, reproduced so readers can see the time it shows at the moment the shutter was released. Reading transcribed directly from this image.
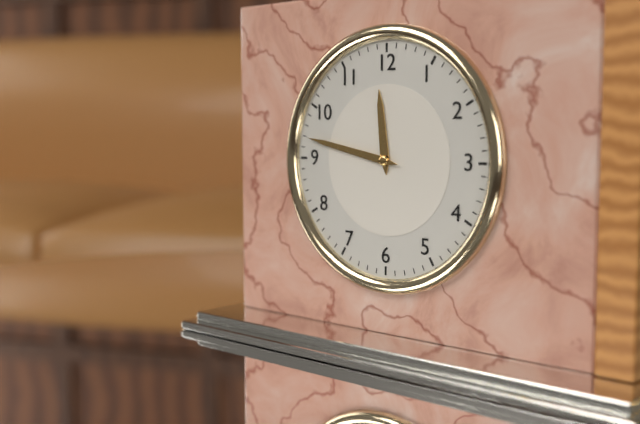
11:47
